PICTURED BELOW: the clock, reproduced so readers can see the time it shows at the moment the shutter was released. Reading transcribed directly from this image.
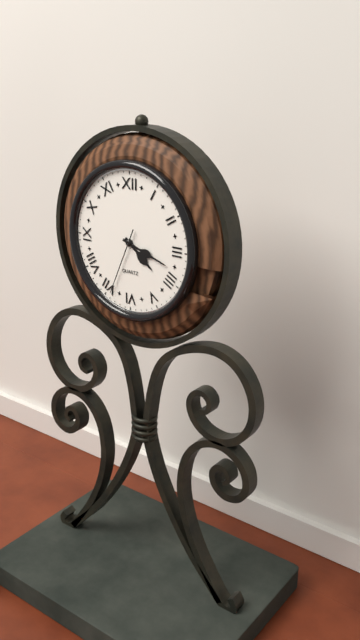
4:18:34
